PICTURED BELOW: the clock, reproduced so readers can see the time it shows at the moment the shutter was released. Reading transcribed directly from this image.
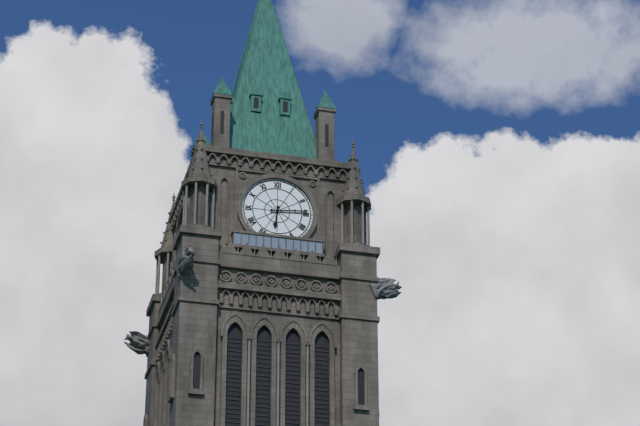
6:14
